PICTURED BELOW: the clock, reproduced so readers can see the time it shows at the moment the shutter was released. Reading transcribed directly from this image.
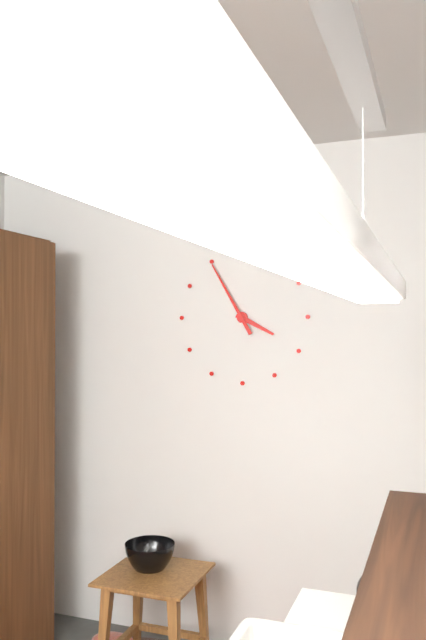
3:55
